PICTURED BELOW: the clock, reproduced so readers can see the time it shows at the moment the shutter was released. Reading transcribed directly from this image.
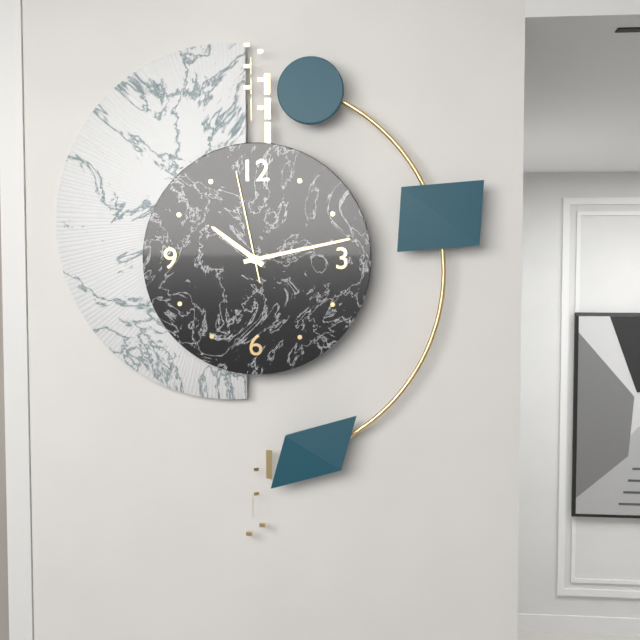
10:13:58
